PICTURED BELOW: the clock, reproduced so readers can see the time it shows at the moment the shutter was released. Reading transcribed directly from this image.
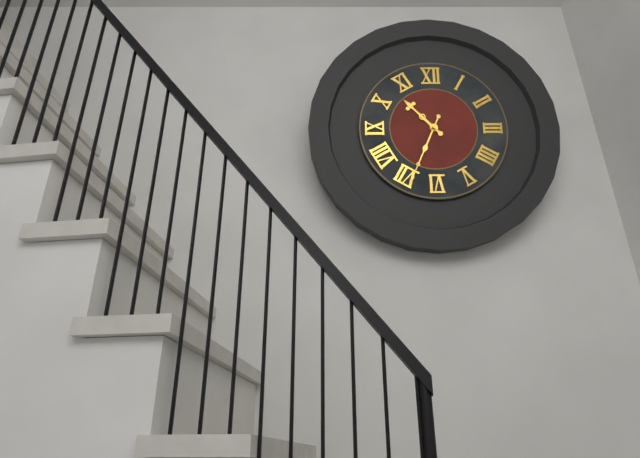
10:34
